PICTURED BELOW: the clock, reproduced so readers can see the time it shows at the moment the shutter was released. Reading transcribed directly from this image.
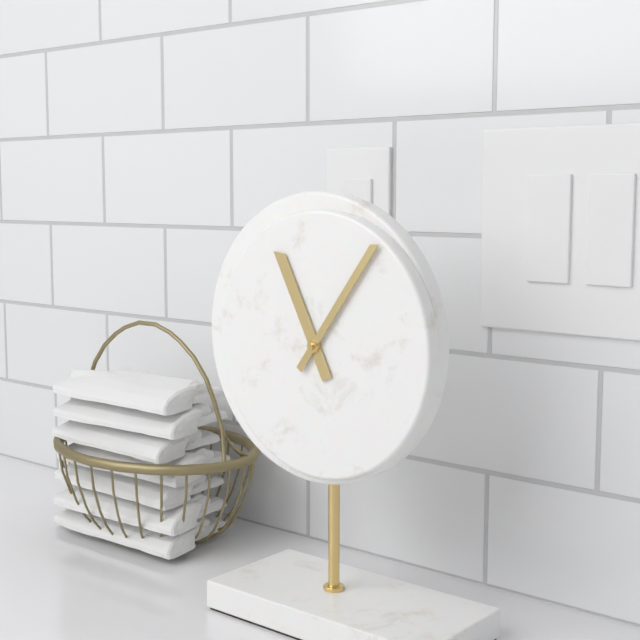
11:06
